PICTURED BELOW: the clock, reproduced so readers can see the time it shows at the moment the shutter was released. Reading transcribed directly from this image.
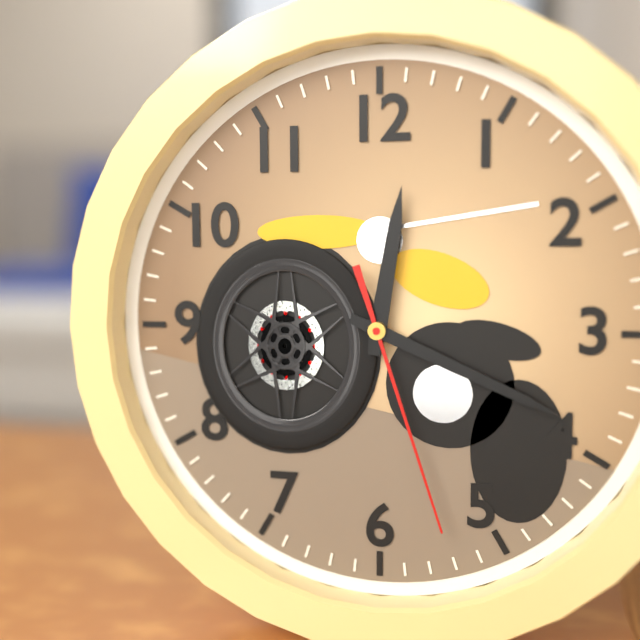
12:19:27
